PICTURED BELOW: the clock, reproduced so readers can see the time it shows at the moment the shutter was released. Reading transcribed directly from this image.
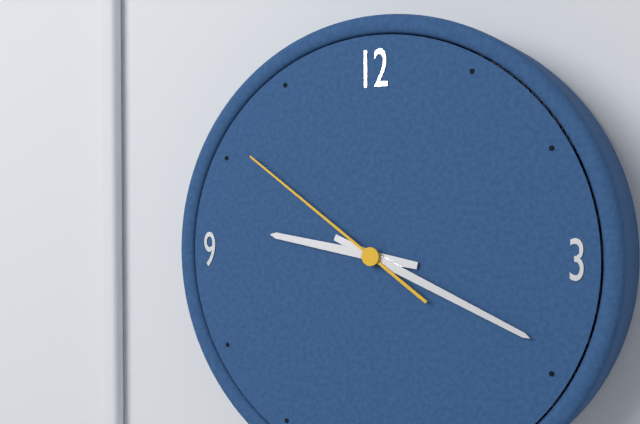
9:19:51
